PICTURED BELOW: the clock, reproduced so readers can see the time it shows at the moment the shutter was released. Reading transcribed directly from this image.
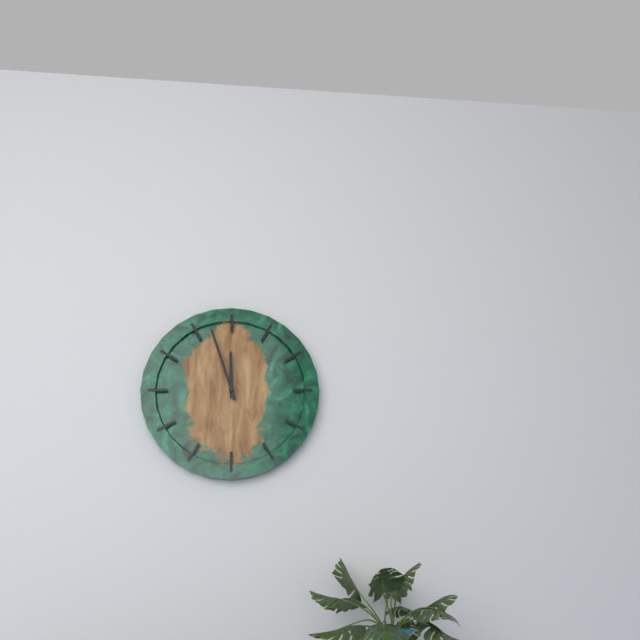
11:57
